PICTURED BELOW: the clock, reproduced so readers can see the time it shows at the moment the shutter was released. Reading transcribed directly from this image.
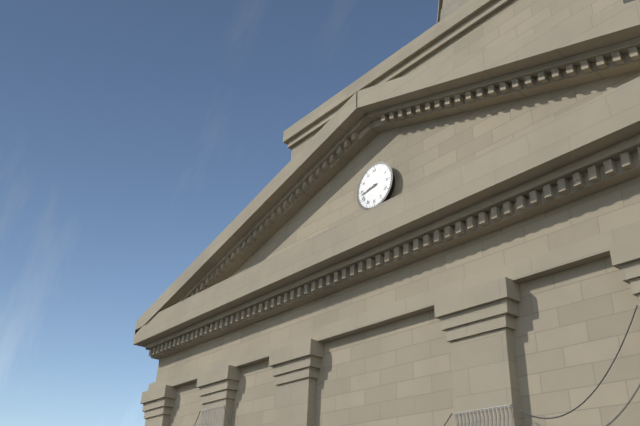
8:43
